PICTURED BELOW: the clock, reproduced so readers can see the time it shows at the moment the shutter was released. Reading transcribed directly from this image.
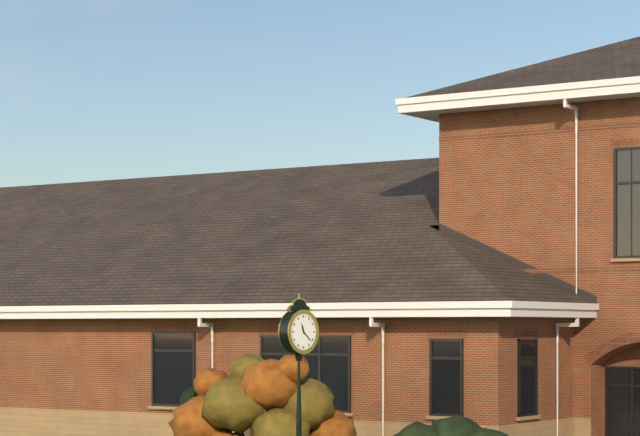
11:22
